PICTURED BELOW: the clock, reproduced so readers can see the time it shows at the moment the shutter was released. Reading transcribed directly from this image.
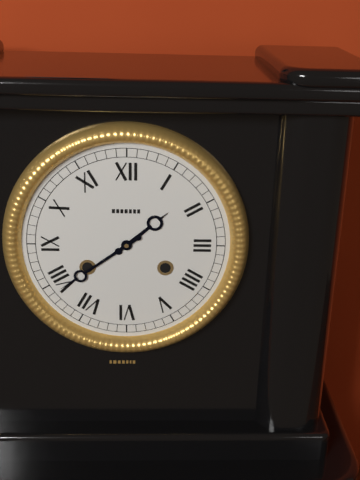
1:39
